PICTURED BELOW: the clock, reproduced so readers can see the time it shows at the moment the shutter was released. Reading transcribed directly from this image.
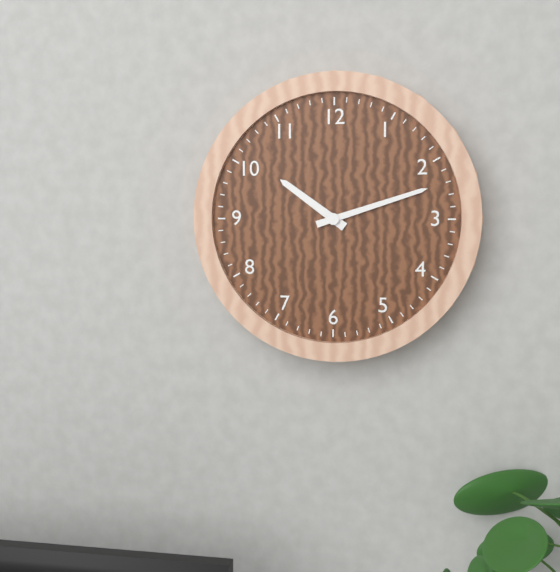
10:12
